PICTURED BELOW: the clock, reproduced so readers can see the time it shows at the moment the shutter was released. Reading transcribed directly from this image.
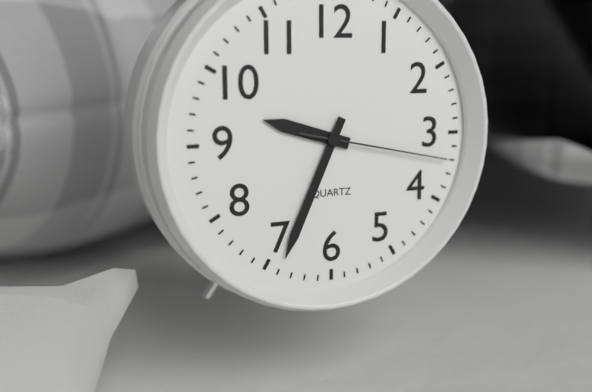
9:34:17
